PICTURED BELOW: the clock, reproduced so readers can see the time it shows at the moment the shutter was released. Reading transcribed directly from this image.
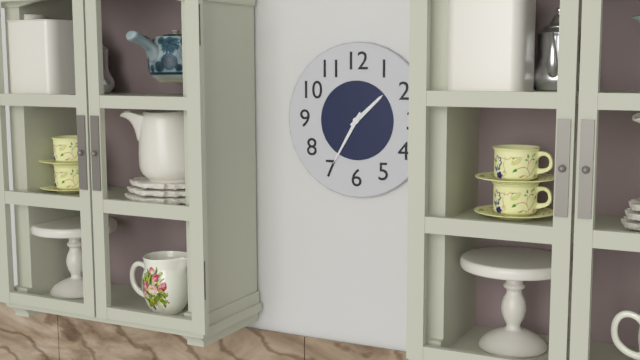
1:35
